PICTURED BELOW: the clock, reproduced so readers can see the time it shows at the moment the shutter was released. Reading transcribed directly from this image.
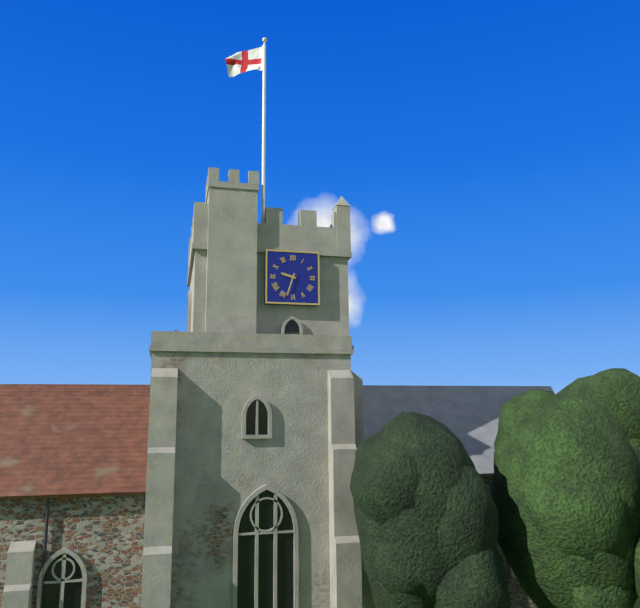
9:33
